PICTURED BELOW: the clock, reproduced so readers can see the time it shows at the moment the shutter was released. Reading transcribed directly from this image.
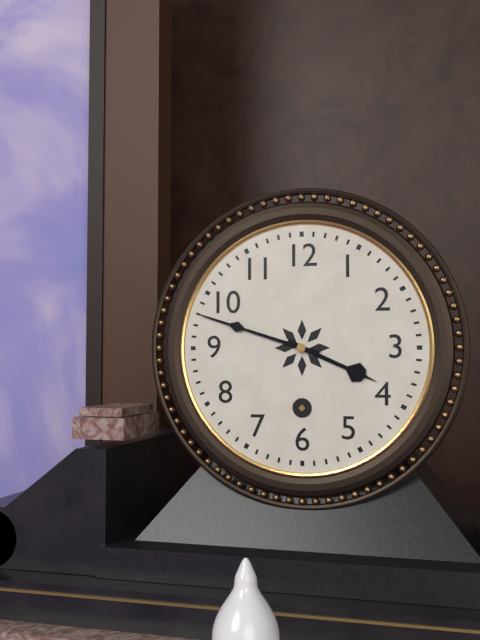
3:48
